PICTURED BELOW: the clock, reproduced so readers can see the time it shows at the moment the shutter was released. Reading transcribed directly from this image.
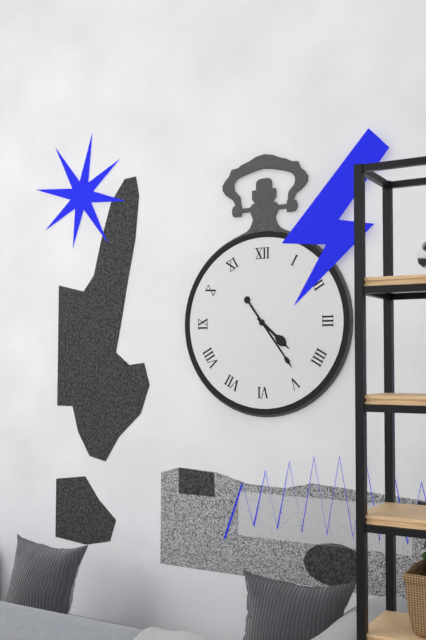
4:24
